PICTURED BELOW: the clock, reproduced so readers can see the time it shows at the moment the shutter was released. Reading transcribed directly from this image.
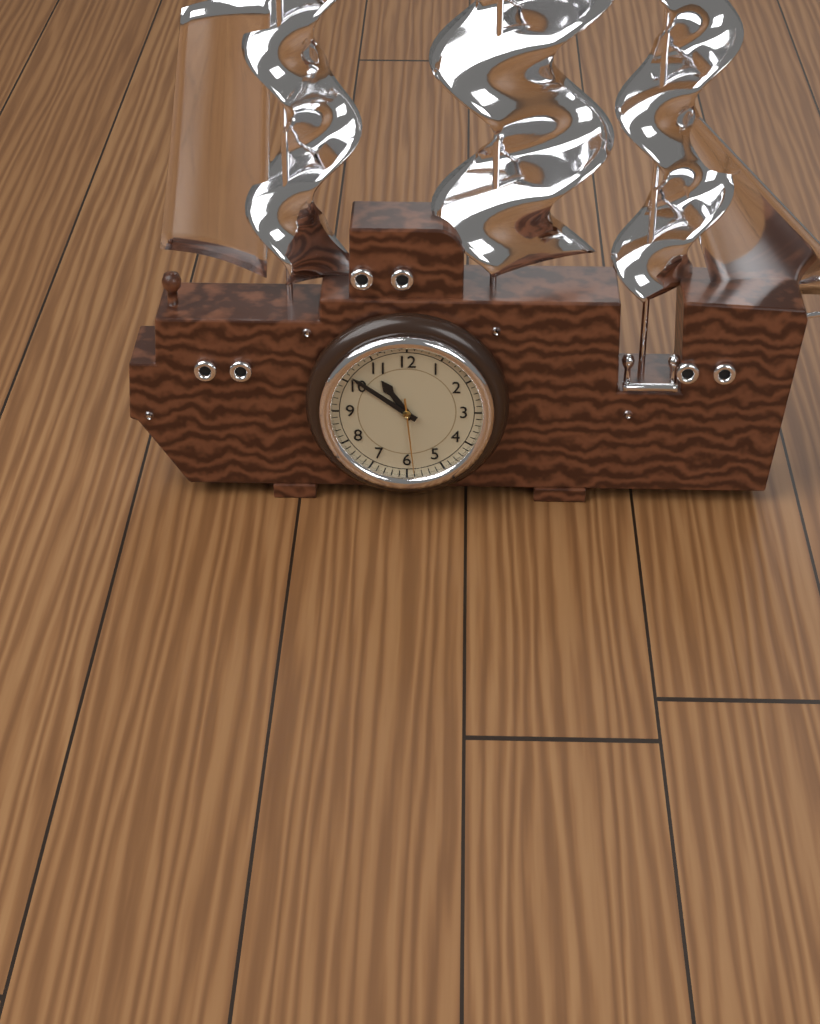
10:51:29
